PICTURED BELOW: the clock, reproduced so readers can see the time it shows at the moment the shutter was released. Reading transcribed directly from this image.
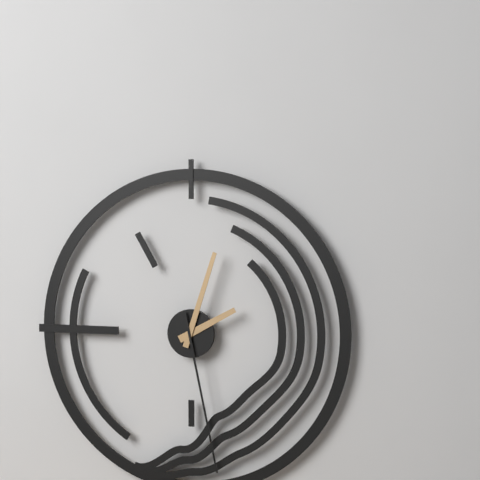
2:03:28
